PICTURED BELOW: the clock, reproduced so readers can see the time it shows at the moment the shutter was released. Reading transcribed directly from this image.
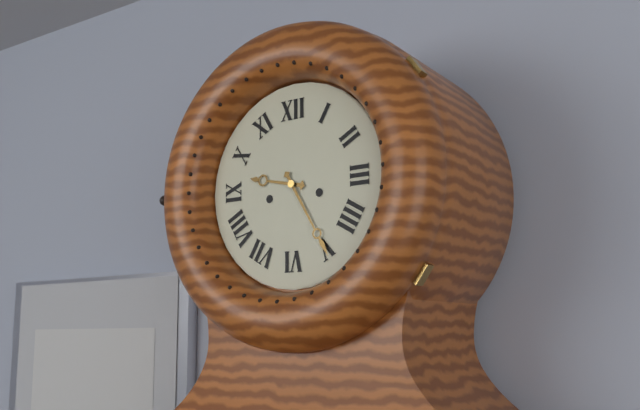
9:25
